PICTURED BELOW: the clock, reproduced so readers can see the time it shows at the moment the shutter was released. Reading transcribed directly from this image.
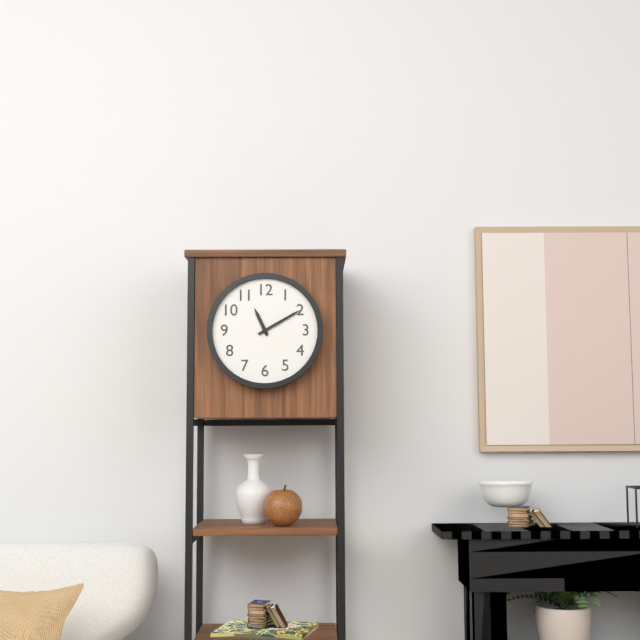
11:10
